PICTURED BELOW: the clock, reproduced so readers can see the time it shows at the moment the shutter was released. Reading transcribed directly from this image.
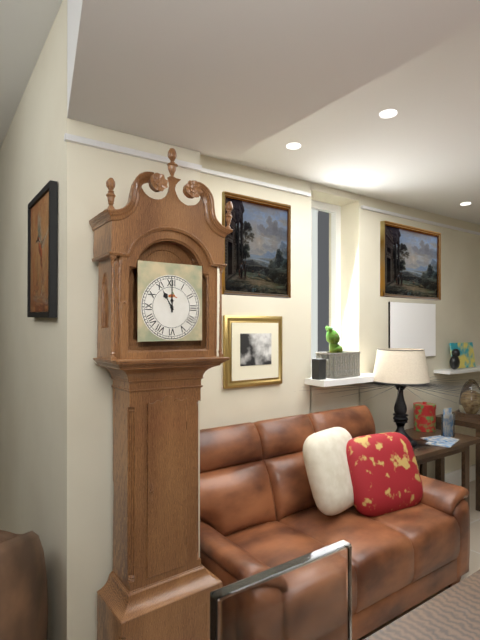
11:00
